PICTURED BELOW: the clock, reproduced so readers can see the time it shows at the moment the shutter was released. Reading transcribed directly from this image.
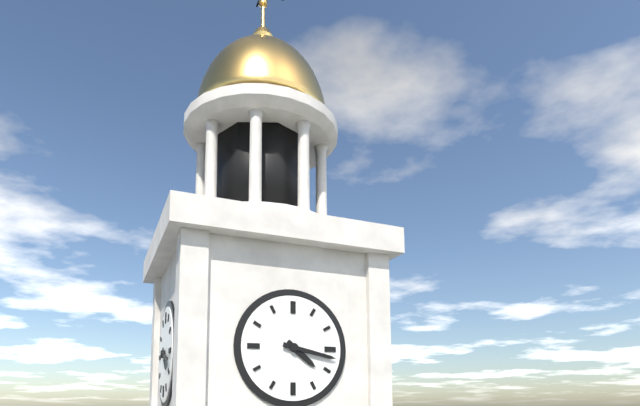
4:17
